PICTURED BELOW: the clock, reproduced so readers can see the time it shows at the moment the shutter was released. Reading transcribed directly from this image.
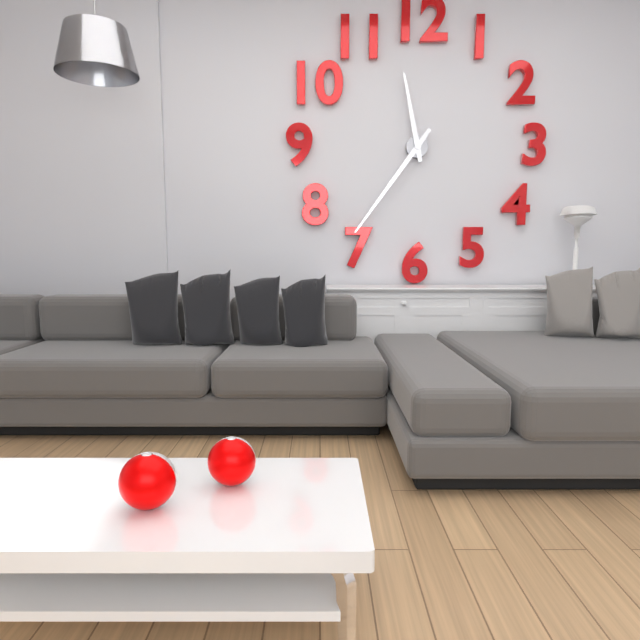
11:36
